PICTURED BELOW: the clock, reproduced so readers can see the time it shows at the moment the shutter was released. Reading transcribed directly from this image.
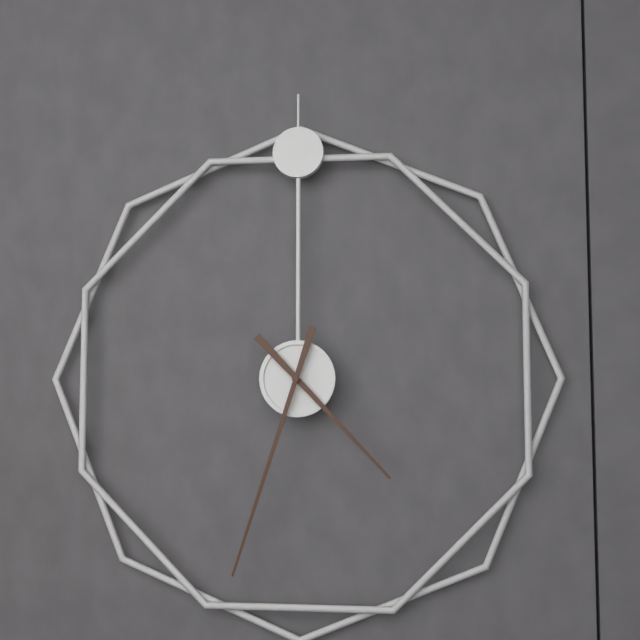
4:33
